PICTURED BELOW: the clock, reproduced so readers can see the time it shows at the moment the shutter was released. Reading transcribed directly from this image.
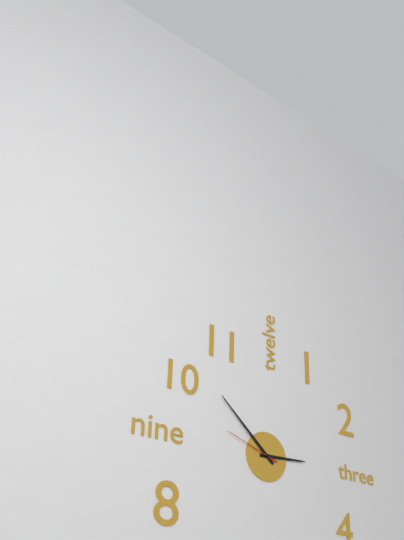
2:52:48
